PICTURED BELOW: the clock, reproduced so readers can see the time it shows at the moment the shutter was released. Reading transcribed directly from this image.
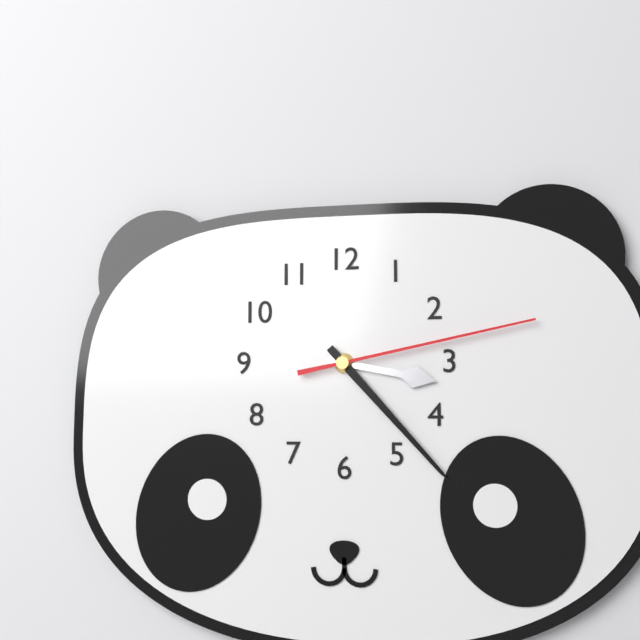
3:23:13
